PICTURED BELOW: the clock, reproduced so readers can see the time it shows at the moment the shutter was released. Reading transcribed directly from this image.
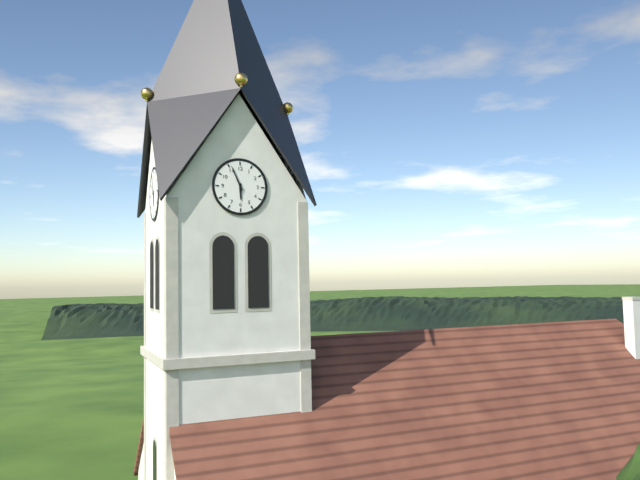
5:56
